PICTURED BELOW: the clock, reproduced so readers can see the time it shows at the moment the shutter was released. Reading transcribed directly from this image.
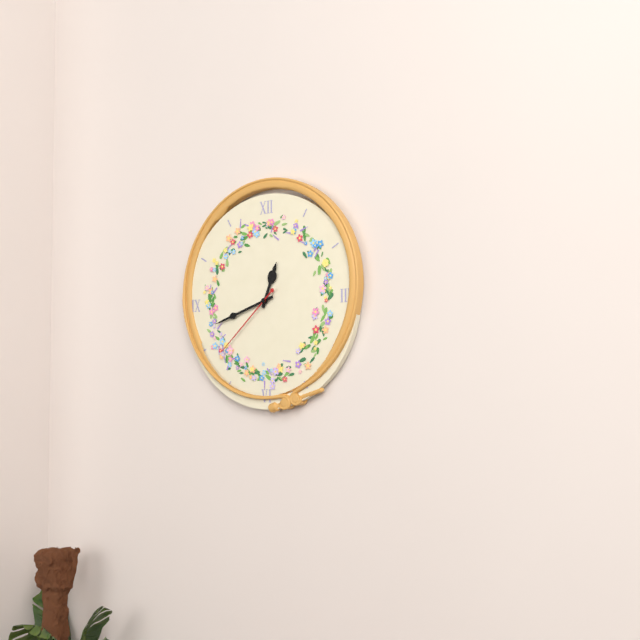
12:42:38
